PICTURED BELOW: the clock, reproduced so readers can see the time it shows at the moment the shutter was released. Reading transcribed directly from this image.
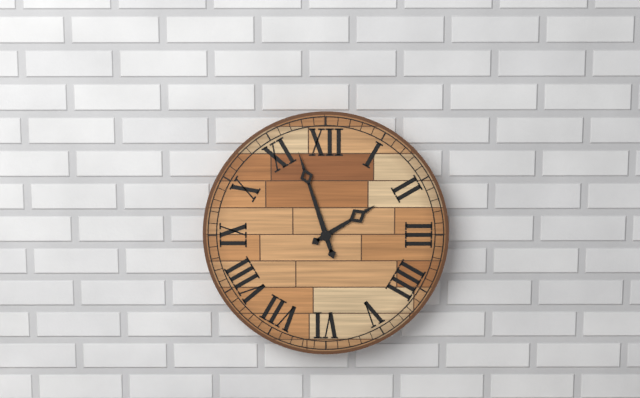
1:57
